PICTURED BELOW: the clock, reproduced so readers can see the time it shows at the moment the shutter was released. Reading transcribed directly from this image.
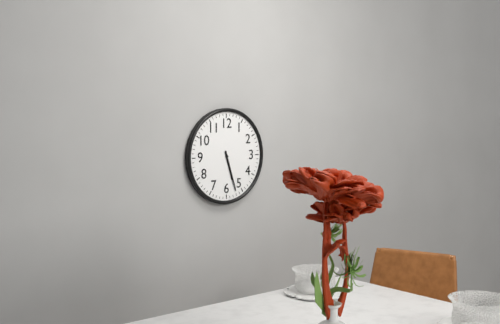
5:27
